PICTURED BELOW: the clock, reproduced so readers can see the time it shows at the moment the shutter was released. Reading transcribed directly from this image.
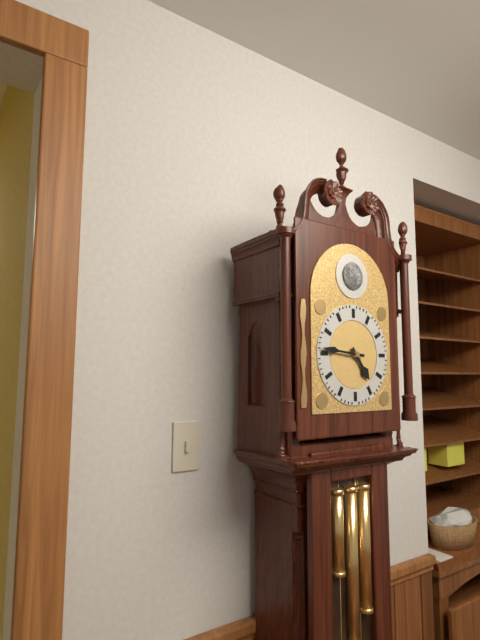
4:46
